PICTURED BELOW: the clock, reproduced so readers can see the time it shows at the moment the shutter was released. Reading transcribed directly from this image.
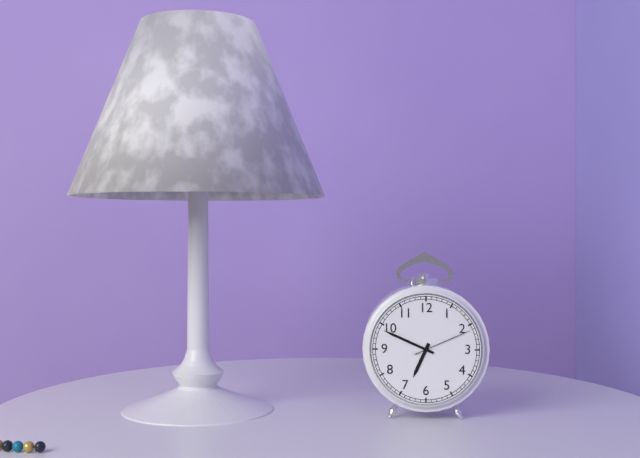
6:49:11
